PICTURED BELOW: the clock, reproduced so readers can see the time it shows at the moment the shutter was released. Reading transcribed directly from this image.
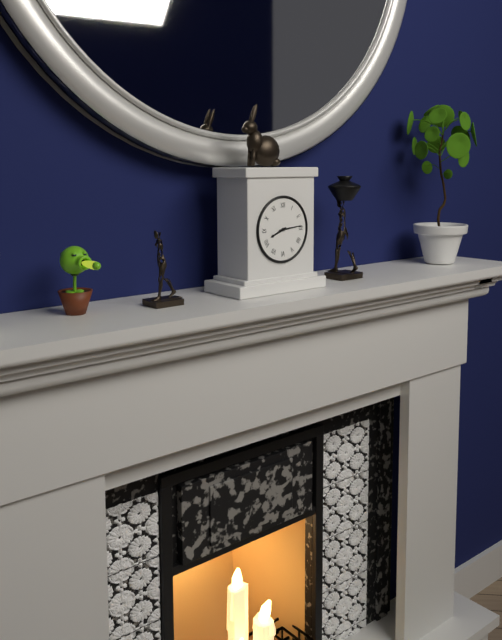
8:14
